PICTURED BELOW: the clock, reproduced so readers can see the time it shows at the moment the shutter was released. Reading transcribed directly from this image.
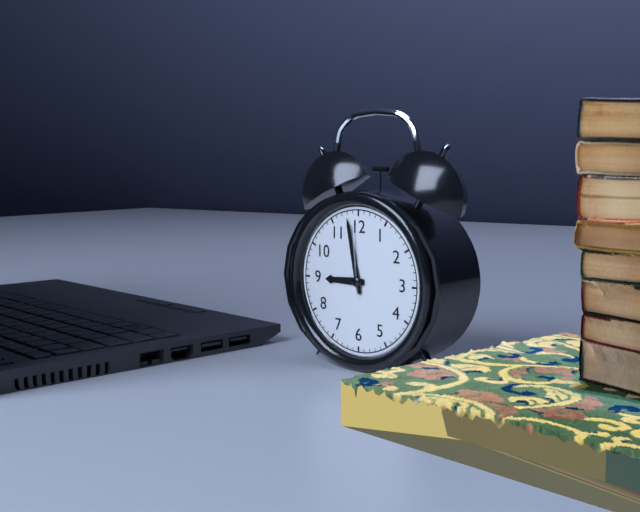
8:58:59
